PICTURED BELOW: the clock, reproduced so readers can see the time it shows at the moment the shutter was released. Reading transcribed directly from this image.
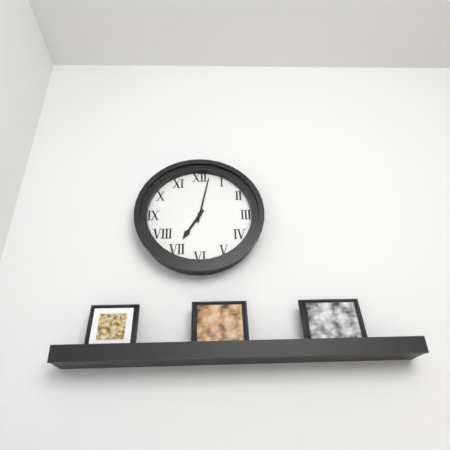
7:02
